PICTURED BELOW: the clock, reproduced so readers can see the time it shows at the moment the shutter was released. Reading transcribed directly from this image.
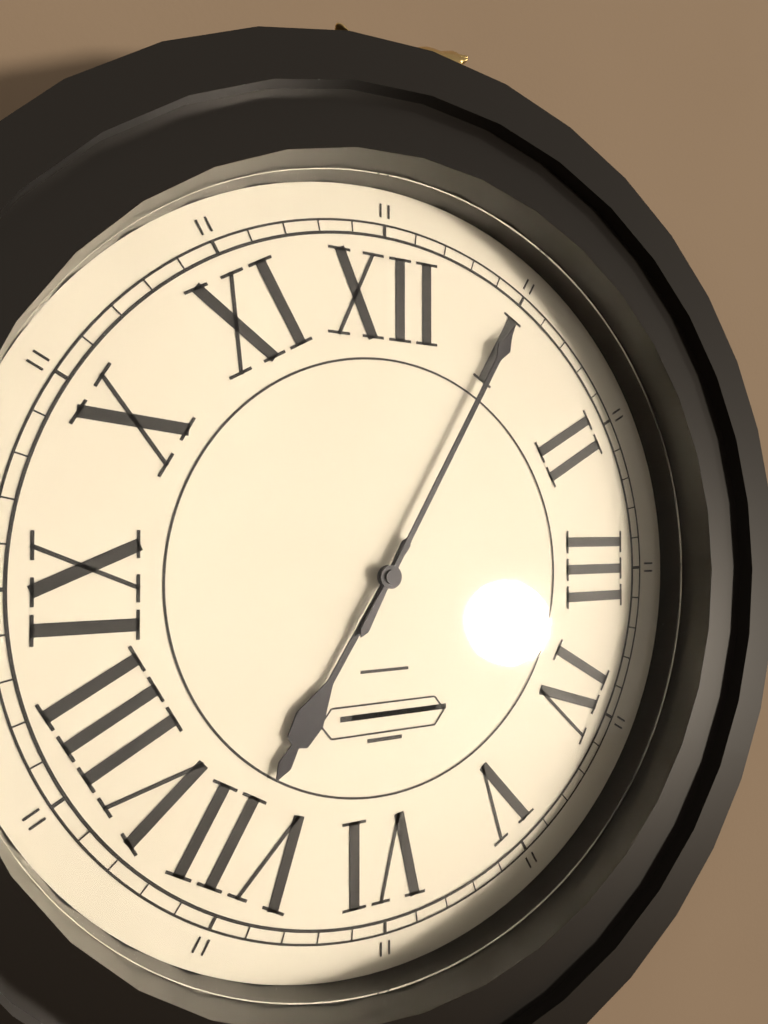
7:05
